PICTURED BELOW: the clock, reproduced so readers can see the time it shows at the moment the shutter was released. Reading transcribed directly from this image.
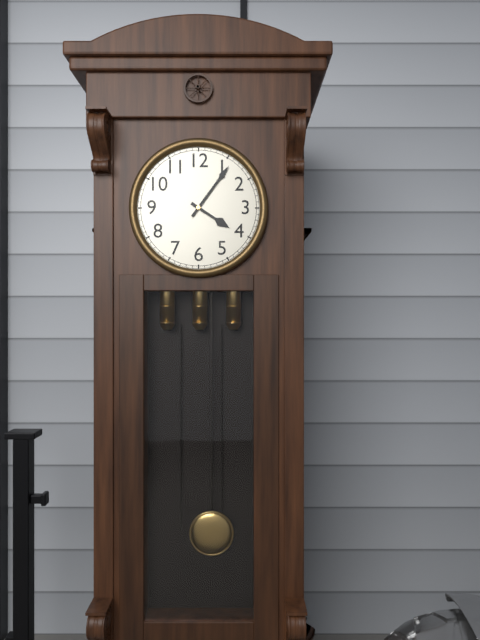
4:06
